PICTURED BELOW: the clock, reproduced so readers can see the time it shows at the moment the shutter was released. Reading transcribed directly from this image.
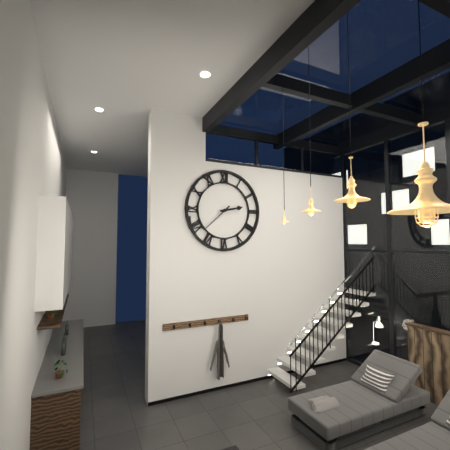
2:38
